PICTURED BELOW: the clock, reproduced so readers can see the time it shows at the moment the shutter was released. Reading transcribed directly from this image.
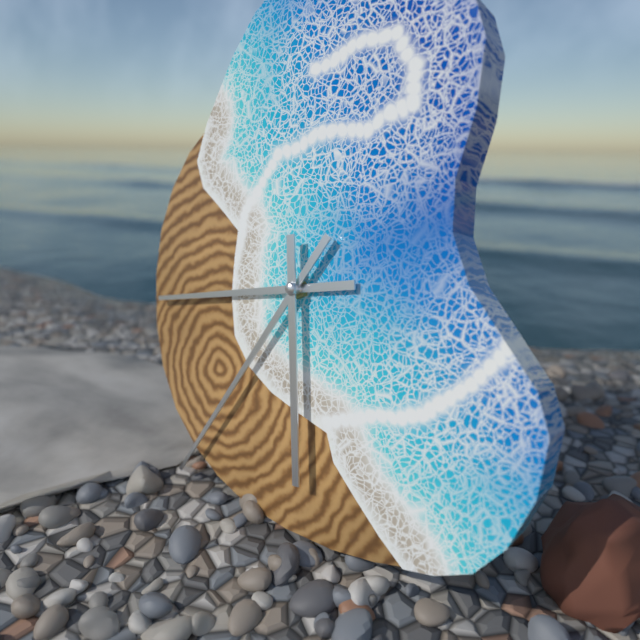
8:35:28
